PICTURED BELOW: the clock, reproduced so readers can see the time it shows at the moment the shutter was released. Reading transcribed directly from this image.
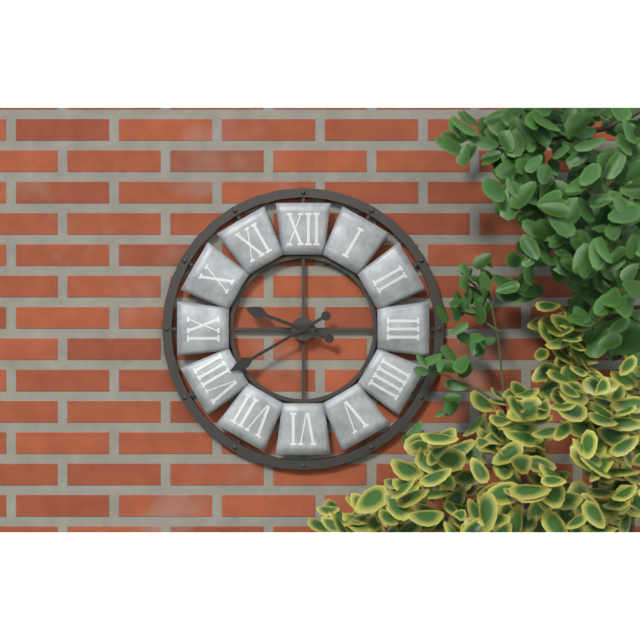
9:40
